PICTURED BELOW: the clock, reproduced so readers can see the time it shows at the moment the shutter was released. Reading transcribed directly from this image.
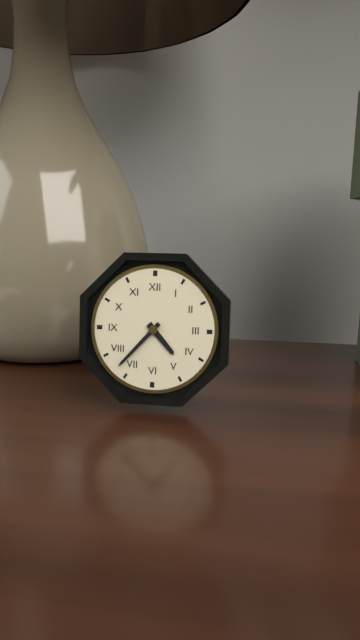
4:37
